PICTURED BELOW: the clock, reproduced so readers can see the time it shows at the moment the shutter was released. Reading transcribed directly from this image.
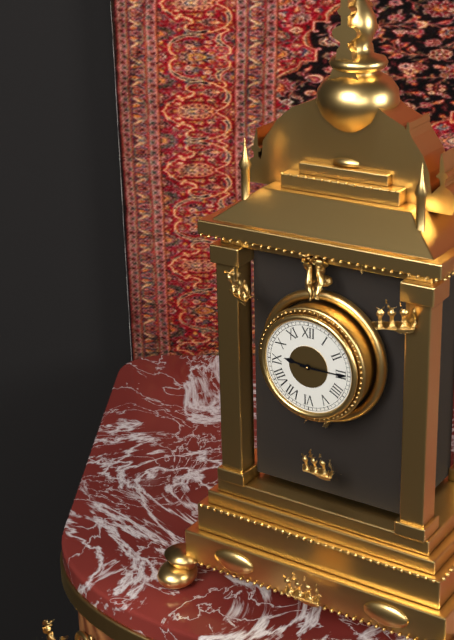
9:15
